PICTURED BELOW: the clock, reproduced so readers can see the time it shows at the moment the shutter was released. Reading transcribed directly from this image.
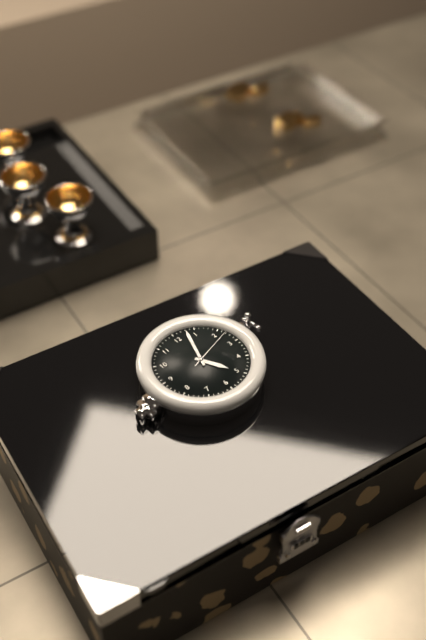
5:03:12
